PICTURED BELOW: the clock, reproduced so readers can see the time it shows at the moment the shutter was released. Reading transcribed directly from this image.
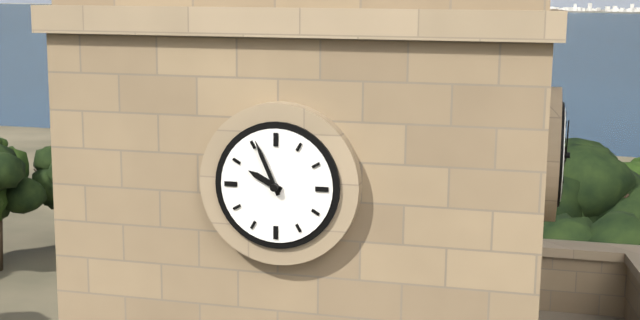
9:56
